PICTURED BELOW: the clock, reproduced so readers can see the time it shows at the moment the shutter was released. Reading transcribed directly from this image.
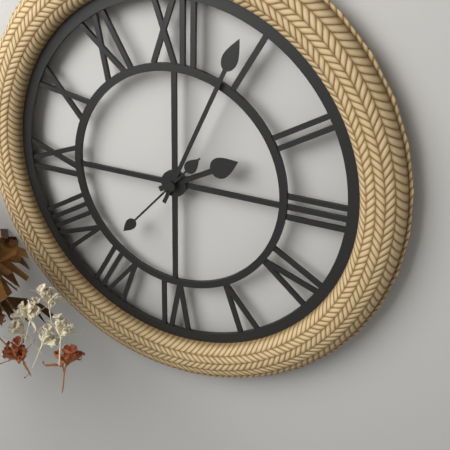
2:04:37
